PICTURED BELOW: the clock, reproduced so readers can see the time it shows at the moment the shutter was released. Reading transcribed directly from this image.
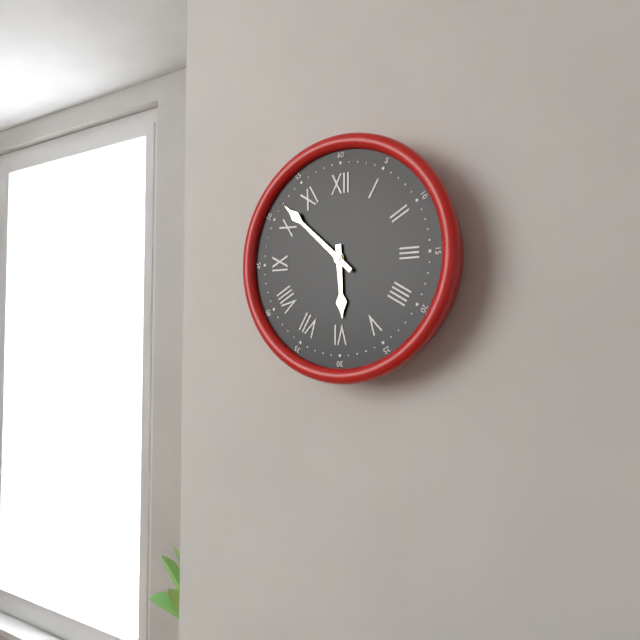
5:52
